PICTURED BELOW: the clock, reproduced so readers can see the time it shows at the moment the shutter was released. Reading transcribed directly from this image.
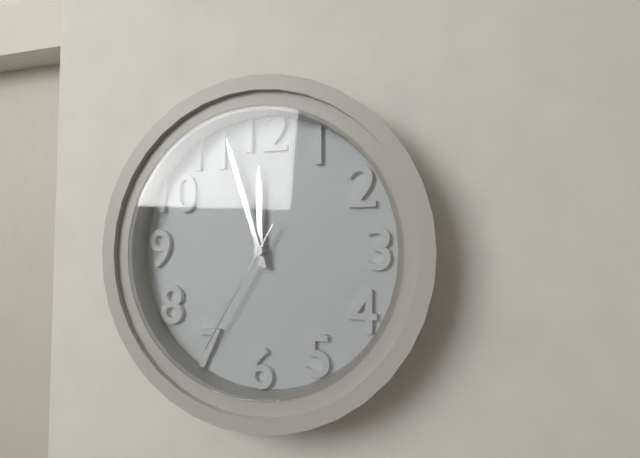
11:57:35
